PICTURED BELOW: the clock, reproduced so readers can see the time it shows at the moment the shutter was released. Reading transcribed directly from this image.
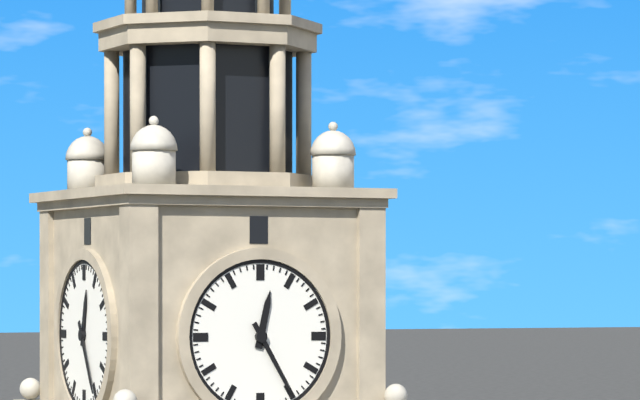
12:25
